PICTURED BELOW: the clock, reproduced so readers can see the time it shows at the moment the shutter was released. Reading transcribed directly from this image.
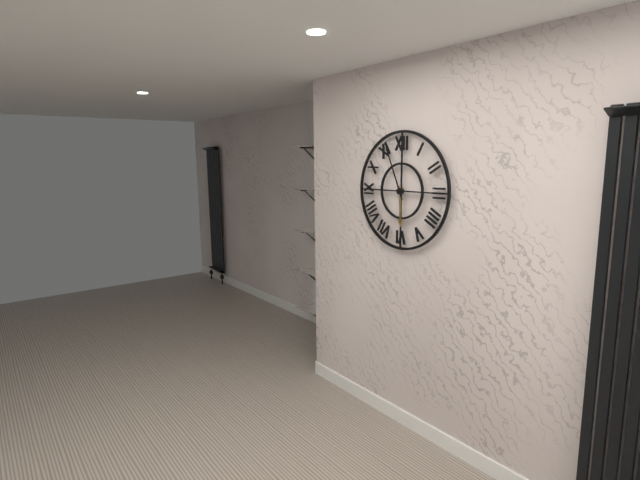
5:56
